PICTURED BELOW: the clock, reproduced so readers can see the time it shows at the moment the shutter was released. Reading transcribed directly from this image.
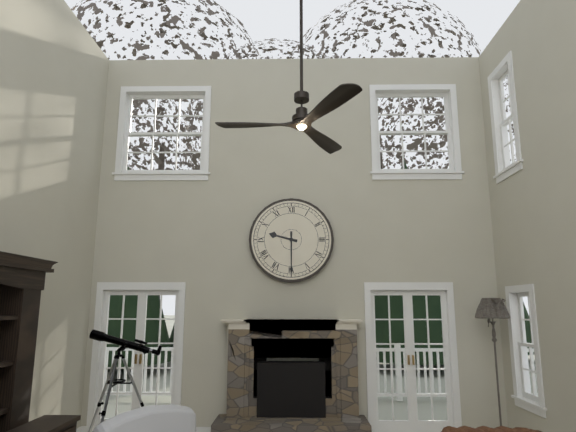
9:30
